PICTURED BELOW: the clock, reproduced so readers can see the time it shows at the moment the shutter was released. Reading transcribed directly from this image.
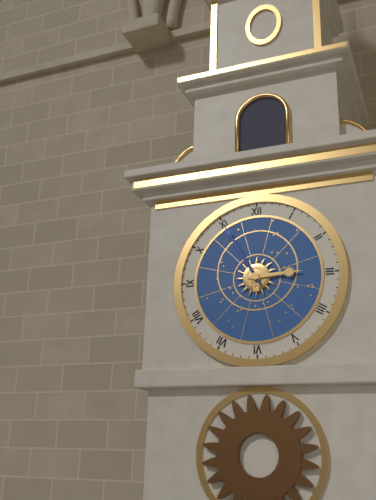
2:55
